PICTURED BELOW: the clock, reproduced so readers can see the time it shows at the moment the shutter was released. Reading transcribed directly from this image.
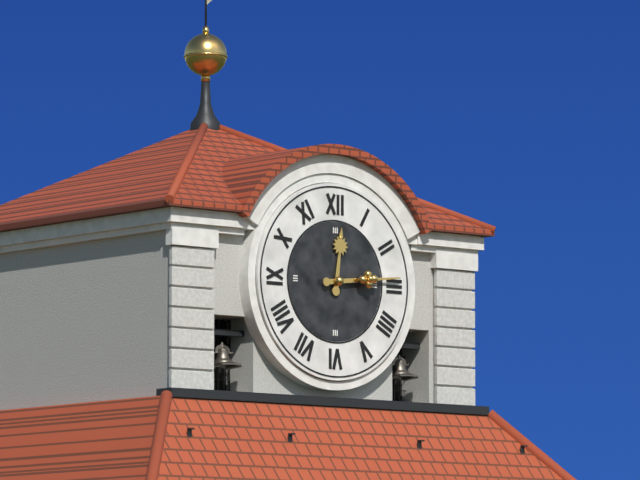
12:14
